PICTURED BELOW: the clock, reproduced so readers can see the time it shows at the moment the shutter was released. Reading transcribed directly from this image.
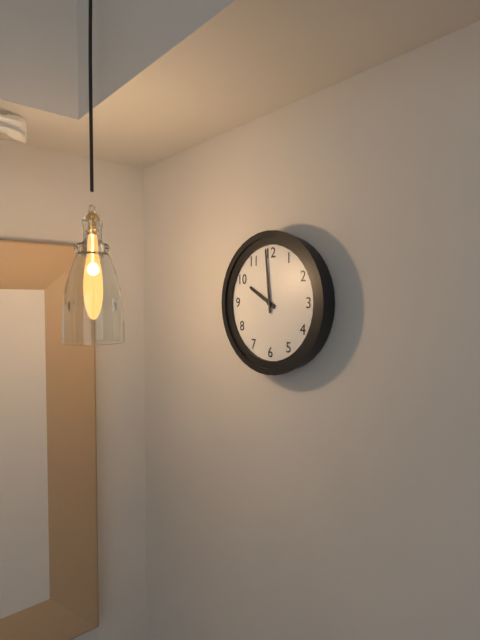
9:59
